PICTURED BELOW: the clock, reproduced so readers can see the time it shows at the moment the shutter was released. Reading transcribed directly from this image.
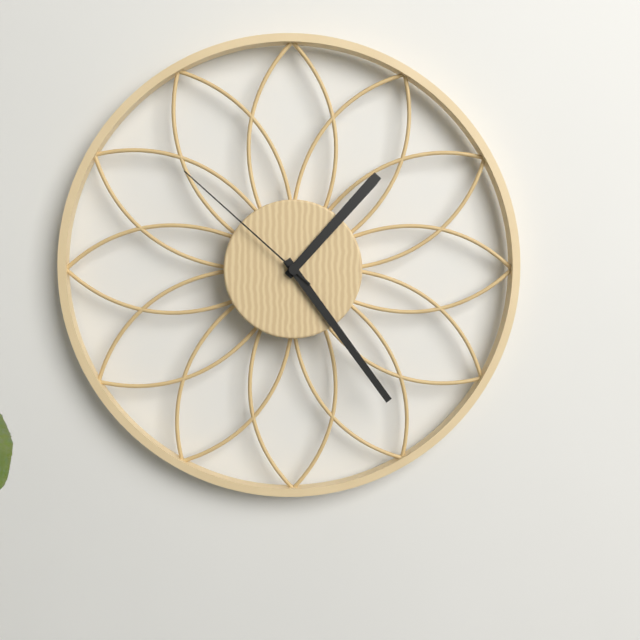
1:24:52
